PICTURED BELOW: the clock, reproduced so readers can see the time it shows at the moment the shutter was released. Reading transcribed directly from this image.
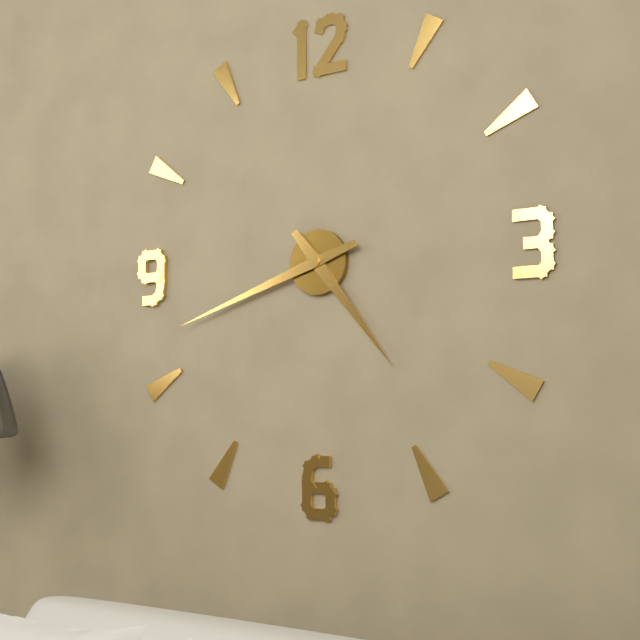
4:42
